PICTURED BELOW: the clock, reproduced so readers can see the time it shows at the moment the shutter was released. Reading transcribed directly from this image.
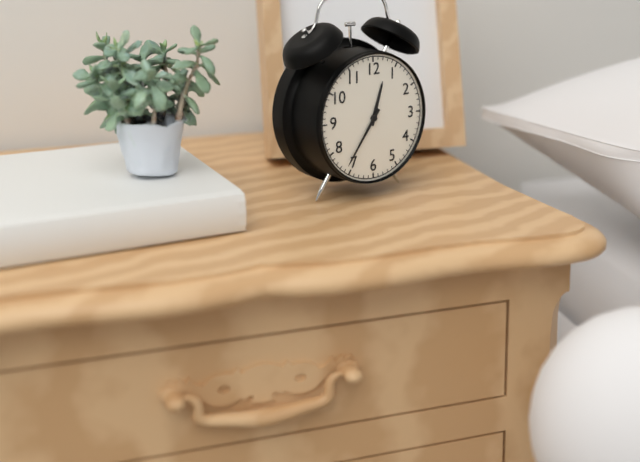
12:36
